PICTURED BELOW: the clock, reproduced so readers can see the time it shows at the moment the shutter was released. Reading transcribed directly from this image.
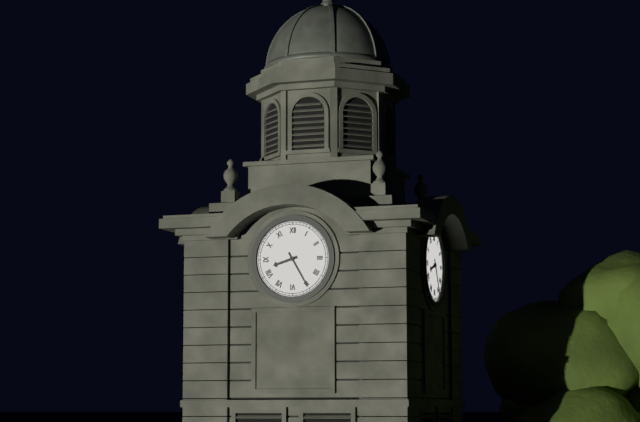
8:25
